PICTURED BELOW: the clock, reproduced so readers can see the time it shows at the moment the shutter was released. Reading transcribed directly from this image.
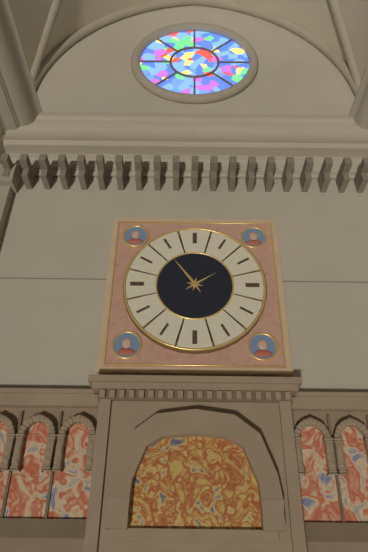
1:54
